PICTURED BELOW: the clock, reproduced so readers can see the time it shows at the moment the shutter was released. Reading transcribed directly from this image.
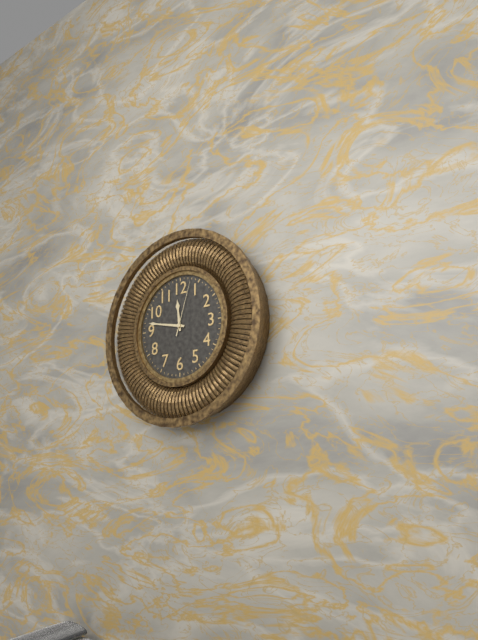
11:47:03
